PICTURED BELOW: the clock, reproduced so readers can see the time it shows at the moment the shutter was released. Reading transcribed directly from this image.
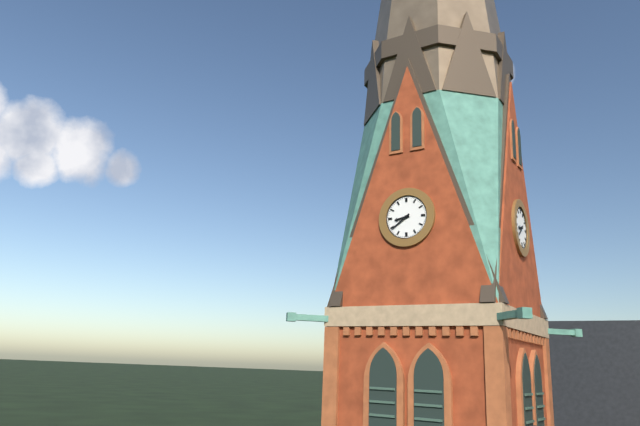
8:39
